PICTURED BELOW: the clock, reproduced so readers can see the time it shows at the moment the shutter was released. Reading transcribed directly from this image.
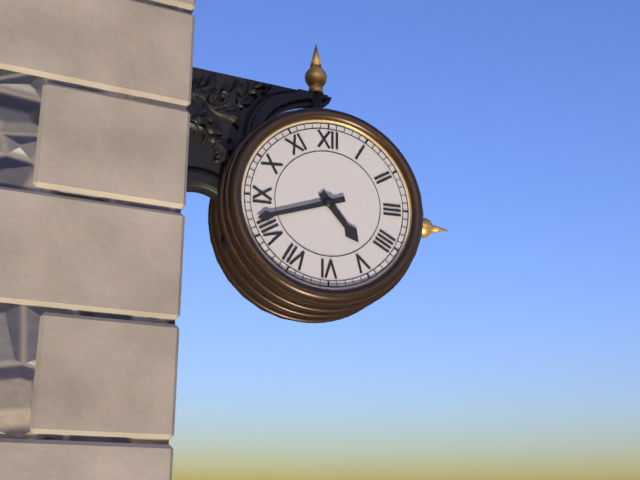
4:42
